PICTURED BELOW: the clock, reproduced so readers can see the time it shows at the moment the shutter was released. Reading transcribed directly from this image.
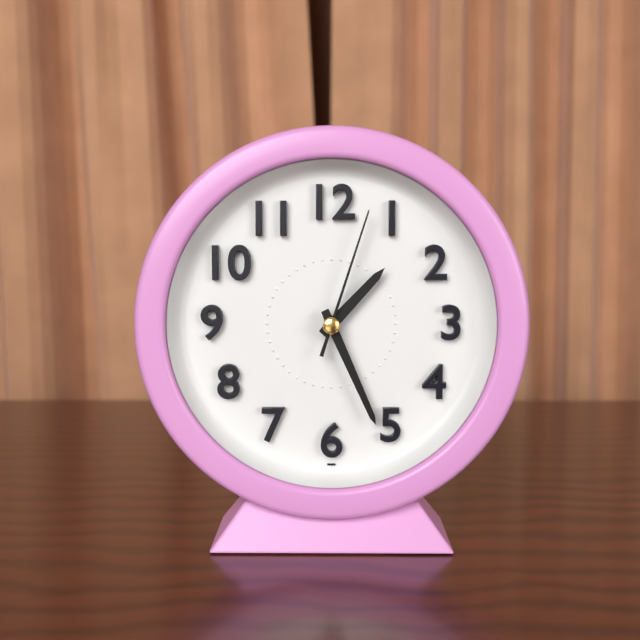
1:26:03
